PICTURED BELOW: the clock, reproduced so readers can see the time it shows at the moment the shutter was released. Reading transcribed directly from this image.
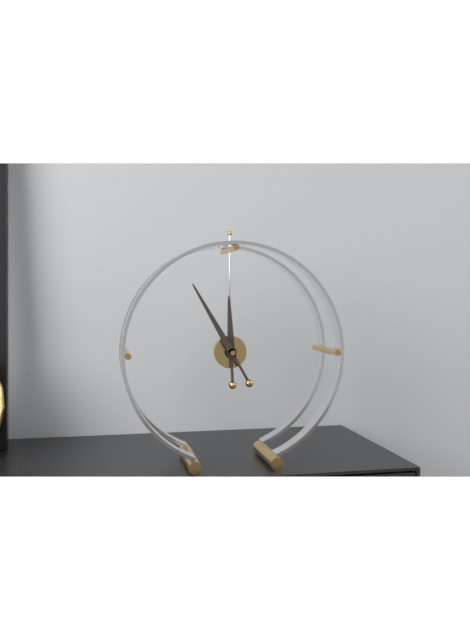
11:55
